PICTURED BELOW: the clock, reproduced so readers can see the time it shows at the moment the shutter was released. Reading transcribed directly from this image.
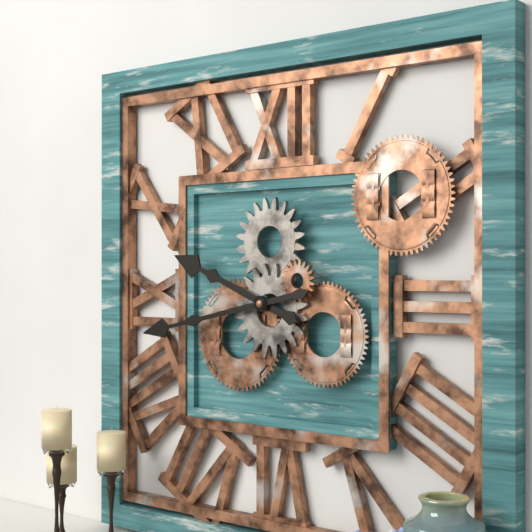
9:43
